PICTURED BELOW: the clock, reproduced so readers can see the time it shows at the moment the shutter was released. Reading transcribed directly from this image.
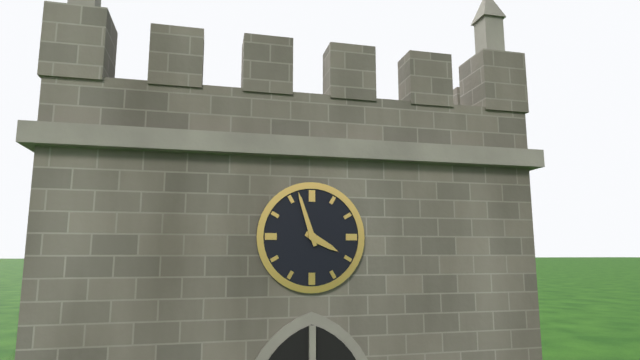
3:57
